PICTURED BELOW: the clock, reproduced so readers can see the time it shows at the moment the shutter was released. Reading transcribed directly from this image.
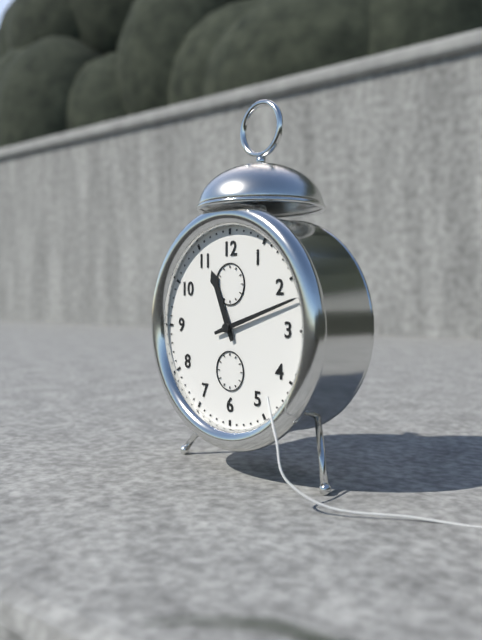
11:12
